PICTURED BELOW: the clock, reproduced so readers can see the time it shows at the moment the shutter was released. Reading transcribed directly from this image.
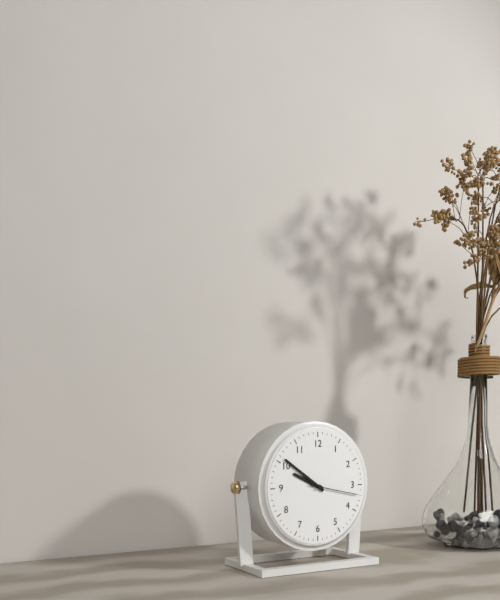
9:51:17
